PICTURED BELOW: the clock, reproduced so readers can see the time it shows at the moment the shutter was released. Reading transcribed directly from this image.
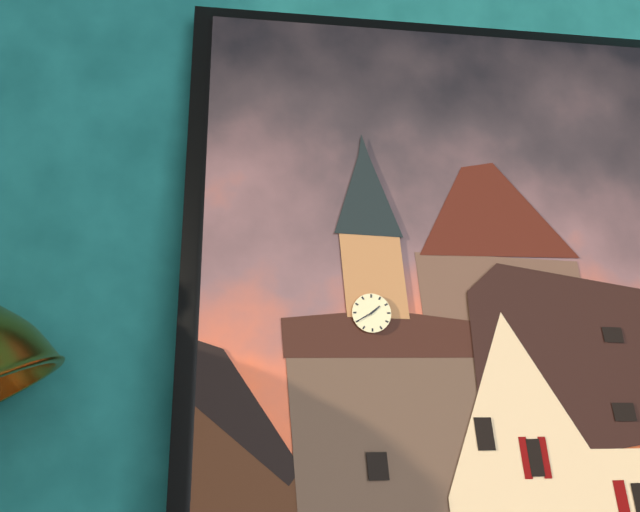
1:40
